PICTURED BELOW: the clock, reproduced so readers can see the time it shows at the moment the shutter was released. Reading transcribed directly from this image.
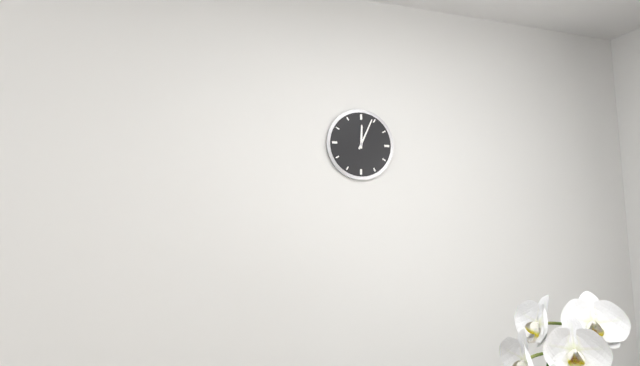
12:04
